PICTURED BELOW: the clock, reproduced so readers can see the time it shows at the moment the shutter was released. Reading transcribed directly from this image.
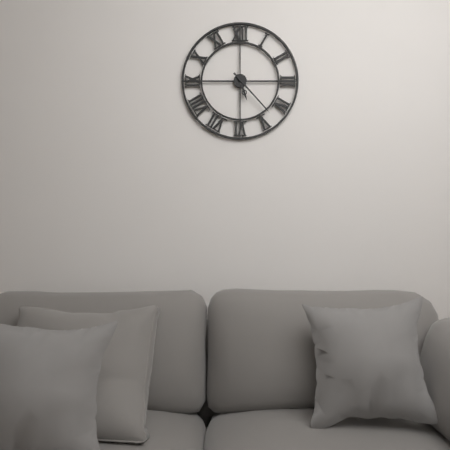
5:23
